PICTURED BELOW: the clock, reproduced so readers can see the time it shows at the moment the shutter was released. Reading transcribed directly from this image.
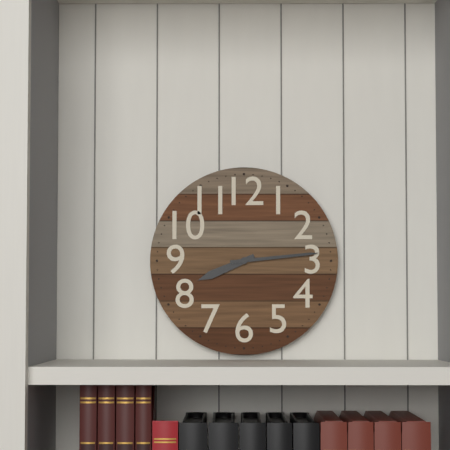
8:14
